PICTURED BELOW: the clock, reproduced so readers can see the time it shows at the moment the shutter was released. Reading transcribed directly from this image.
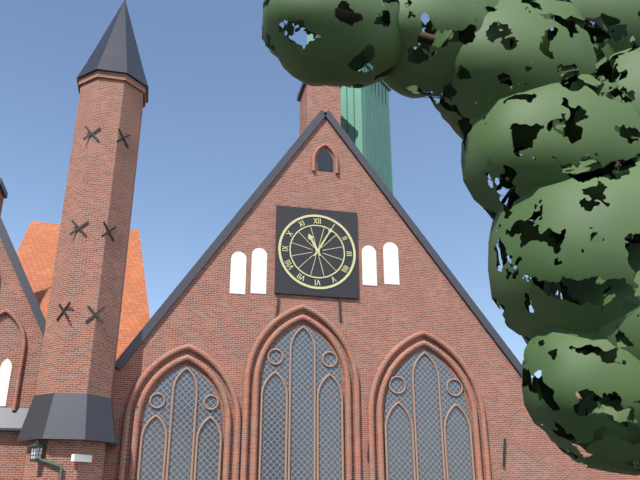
11:05
